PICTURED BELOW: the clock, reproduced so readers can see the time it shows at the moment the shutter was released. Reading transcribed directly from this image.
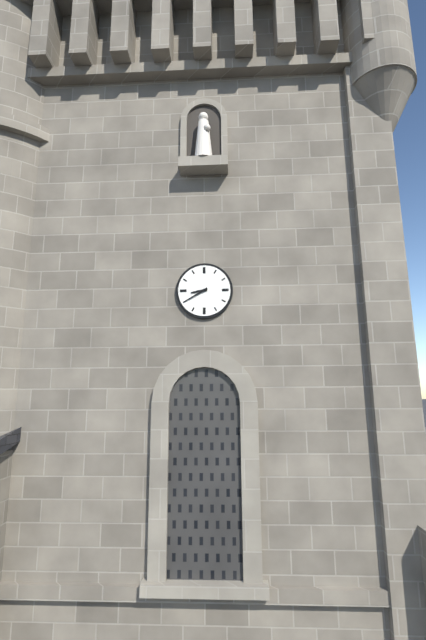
8:40
